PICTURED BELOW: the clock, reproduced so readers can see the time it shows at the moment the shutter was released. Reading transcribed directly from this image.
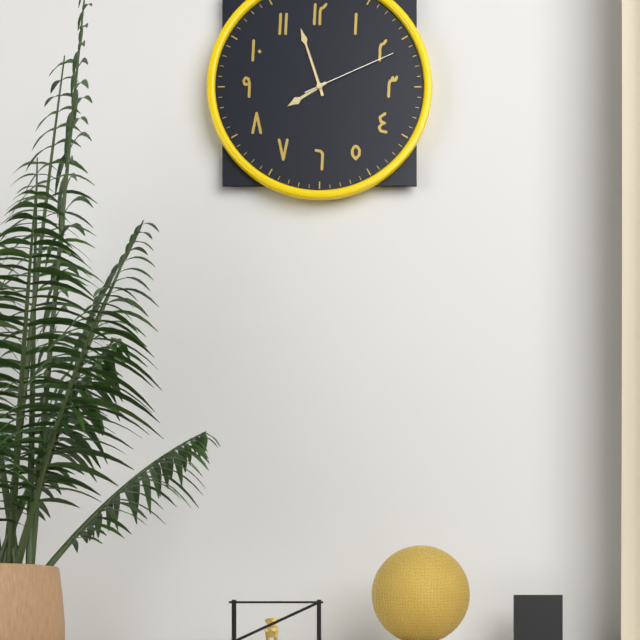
7:57:11
